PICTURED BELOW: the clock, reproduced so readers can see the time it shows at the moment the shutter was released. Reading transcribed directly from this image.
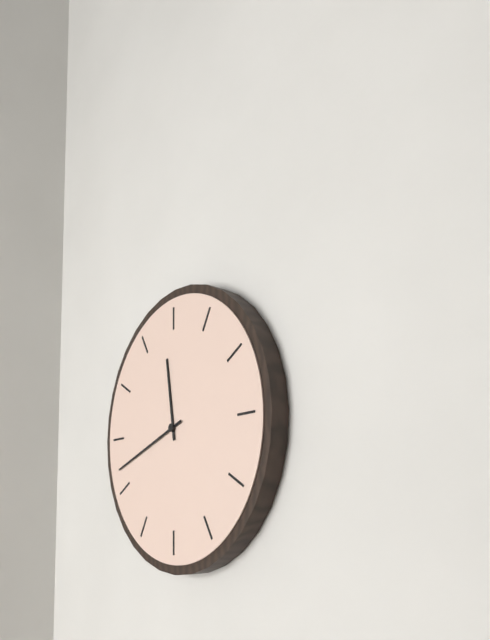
11:42
